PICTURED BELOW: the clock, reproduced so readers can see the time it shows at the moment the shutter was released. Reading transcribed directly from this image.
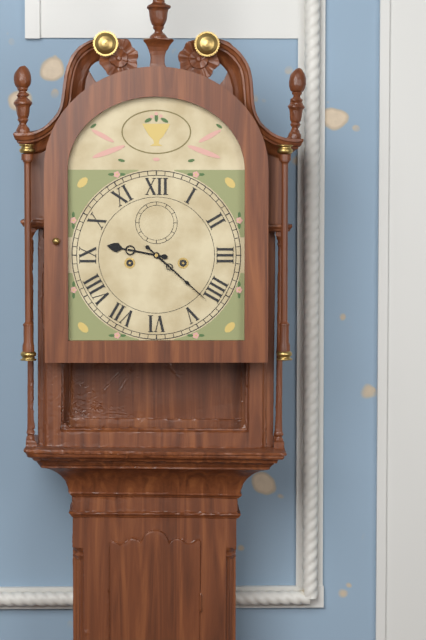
9:22
